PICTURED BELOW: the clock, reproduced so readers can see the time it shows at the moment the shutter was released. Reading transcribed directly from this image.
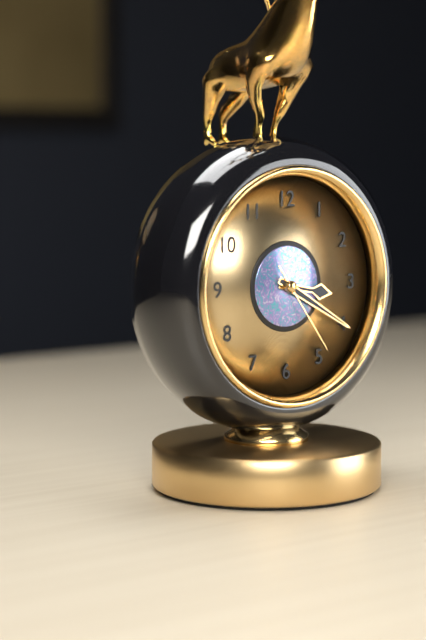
3:20:24
